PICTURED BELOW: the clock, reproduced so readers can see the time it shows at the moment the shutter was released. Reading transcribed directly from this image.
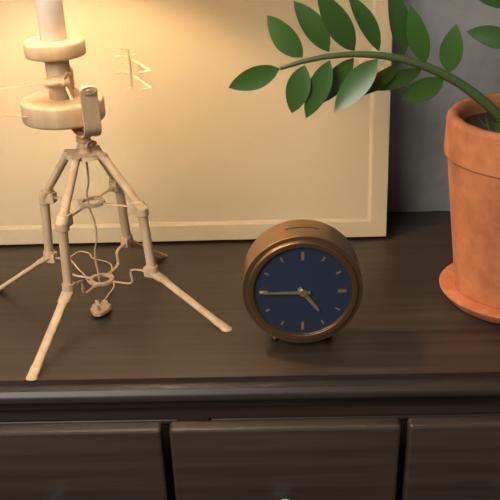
4:45
